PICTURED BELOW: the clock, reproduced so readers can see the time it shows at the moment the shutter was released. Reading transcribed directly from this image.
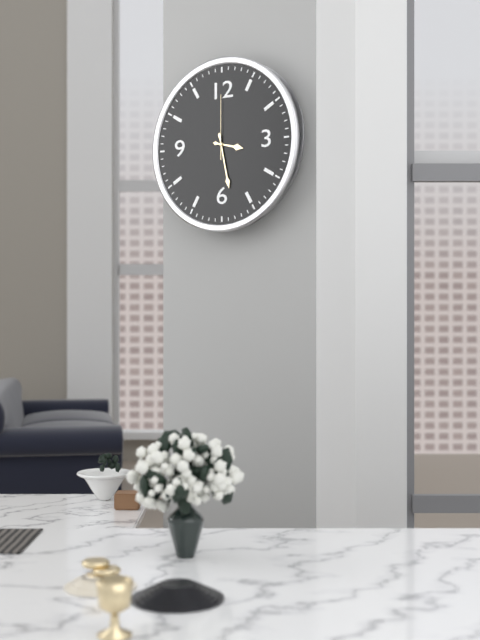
3:28:00
